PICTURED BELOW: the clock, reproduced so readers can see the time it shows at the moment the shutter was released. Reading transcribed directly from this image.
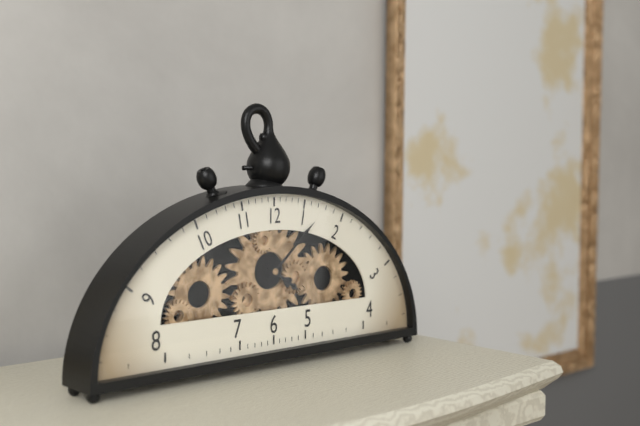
4:08
